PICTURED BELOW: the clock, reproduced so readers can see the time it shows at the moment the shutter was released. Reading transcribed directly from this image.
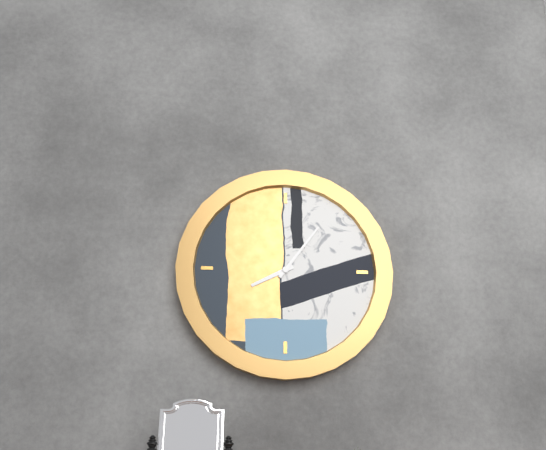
8:06
